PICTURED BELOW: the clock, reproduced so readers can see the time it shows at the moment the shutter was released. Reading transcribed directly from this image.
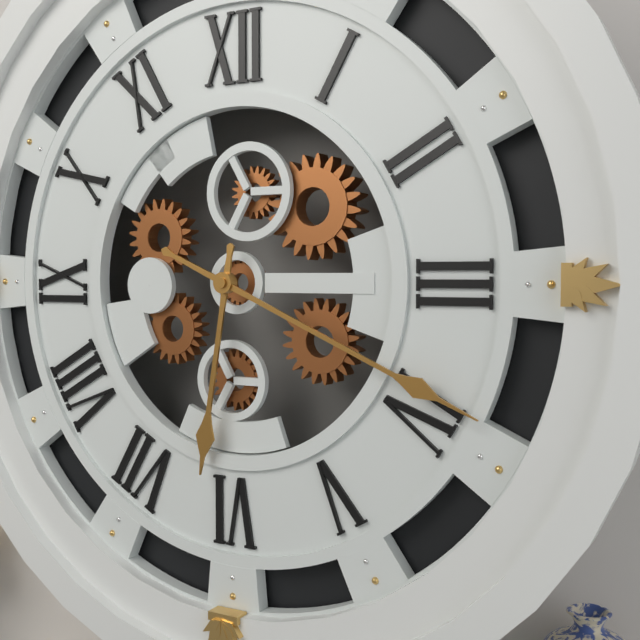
6:19
